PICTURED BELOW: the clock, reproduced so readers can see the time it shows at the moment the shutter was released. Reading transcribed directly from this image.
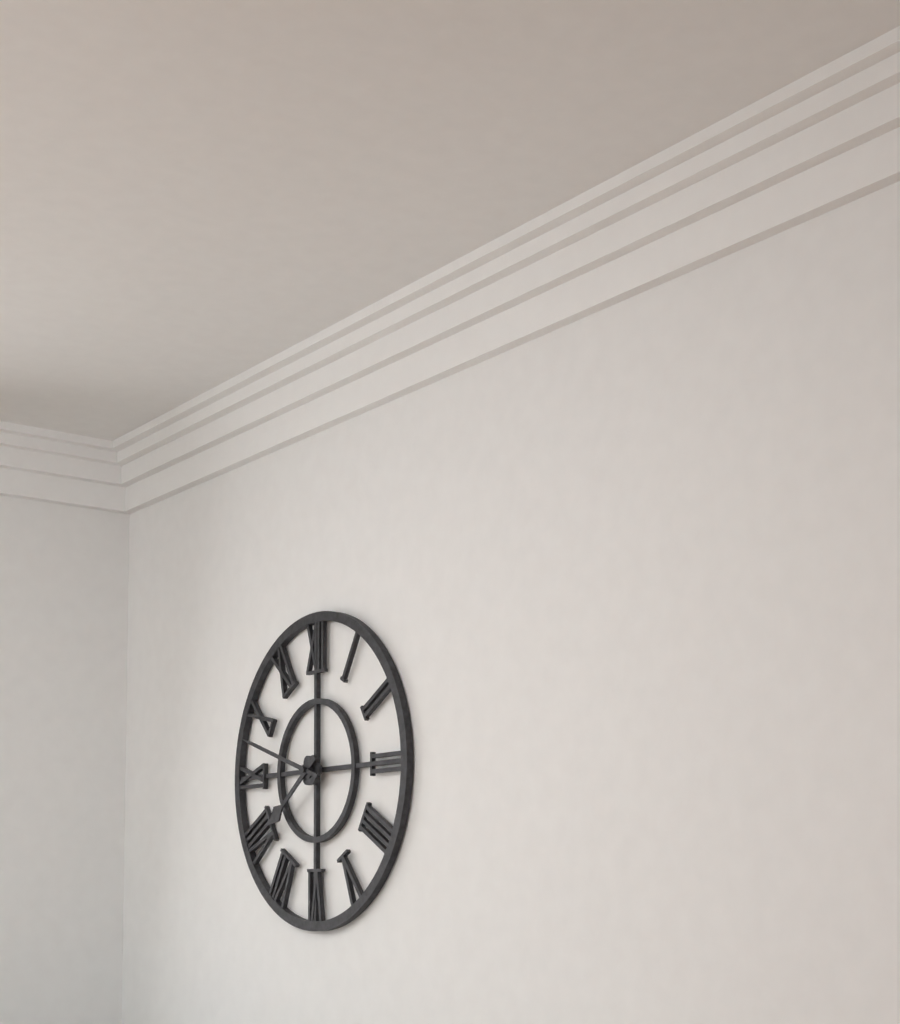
7:48
